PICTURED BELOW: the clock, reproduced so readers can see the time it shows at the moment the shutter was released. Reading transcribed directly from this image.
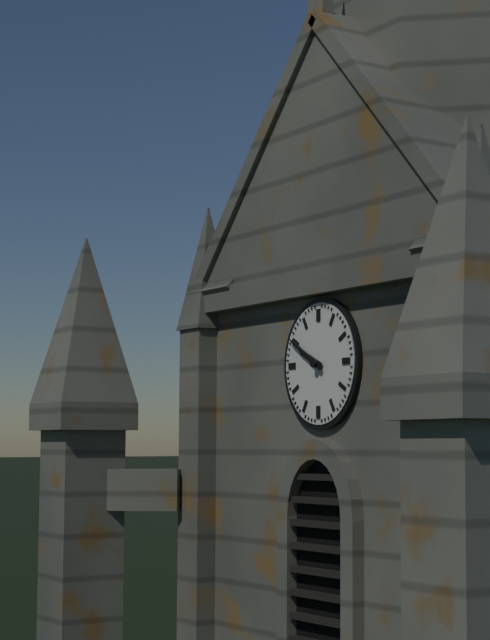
9:50
